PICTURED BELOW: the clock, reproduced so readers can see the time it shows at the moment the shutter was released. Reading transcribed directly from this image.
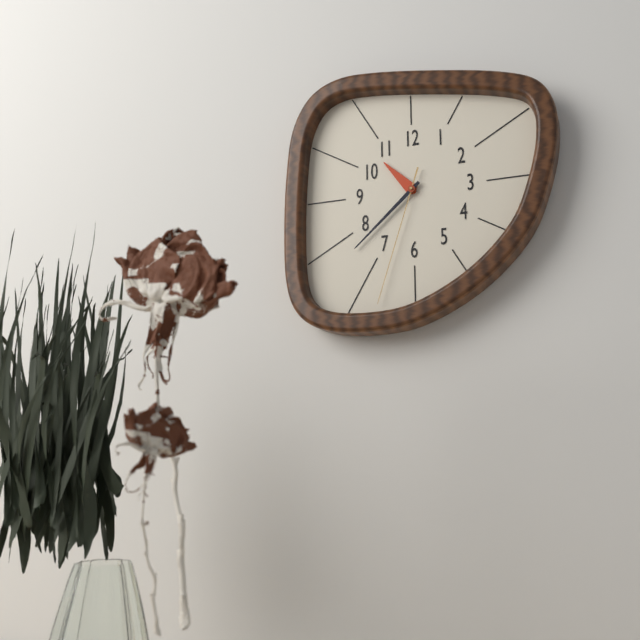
10:38:33
